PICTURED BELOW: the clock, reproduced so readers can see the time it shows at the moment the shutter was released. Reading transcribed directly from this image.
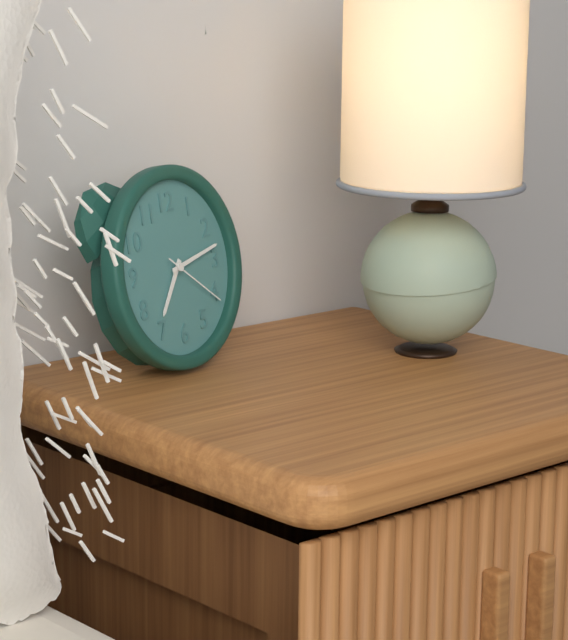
7:13:21
